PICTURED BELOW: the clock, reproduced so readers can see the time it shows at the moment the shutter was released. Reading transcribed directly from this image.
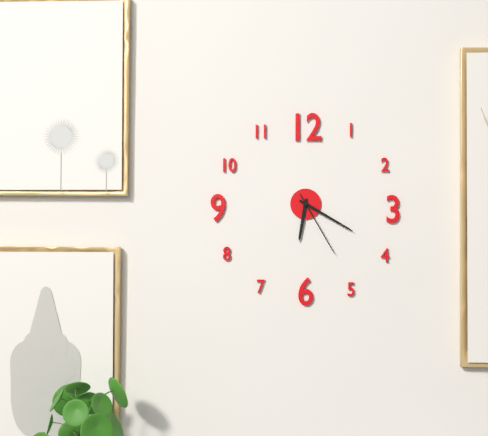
6:20:25
